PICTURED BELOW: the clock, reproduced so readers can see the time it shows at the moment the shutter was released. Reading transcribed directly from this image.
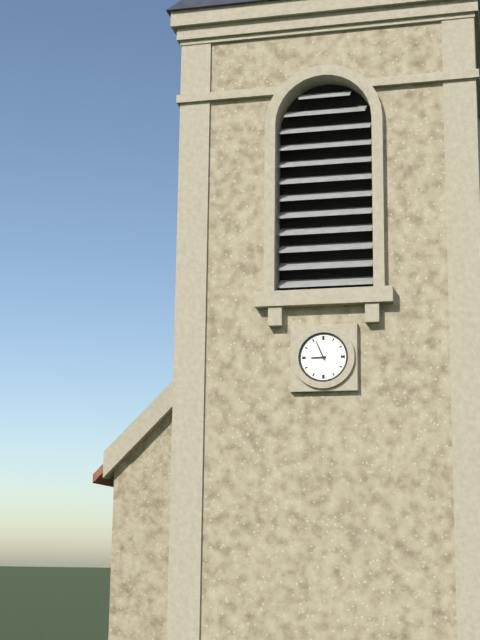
8:56
